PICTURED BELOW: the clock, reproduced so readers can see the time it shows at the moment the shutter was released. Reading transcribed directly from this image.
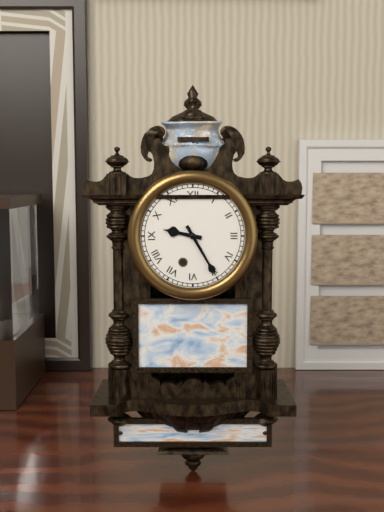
9:25
